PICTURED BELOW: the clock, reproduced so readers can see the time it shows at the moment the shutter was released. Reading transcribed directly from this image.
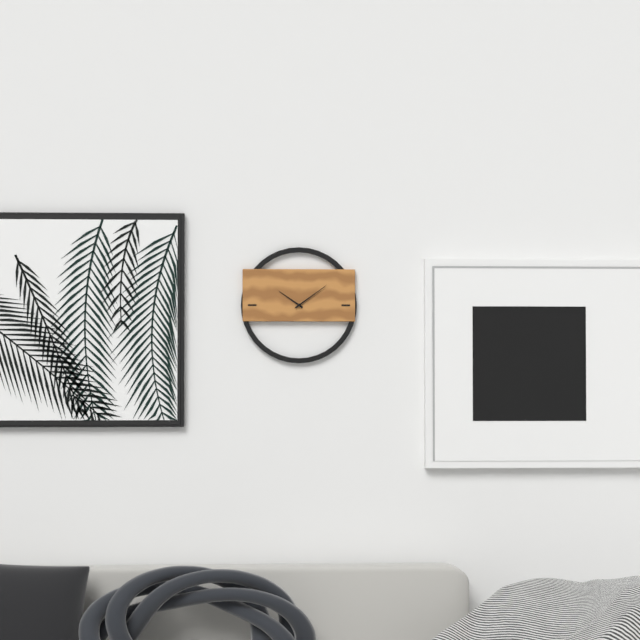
10:09
